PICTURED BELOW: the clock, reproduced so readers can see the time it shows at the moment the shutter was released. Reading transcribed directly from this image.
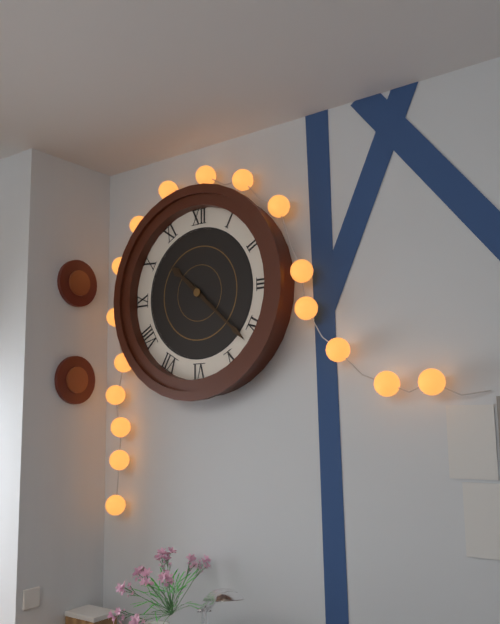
10:22
